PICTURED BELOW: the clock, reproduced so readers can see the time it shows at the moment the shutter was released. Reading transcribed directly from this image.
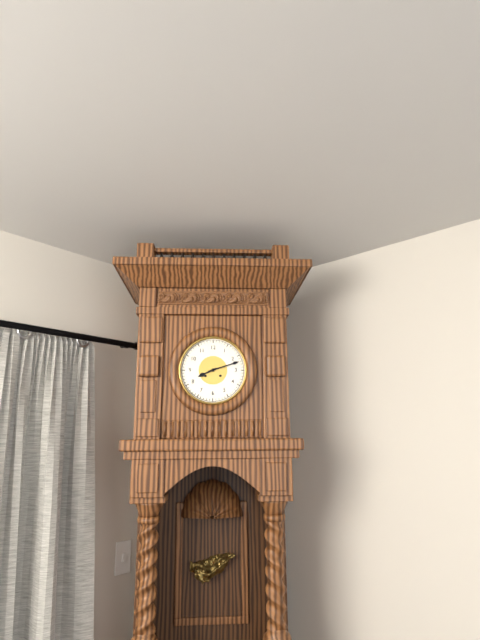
8:12
